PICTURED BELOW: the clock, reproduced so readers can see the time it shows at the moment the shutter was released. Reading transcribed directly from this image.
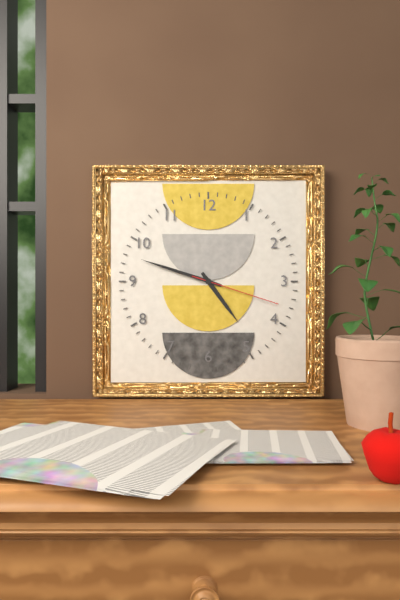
4:48:18
